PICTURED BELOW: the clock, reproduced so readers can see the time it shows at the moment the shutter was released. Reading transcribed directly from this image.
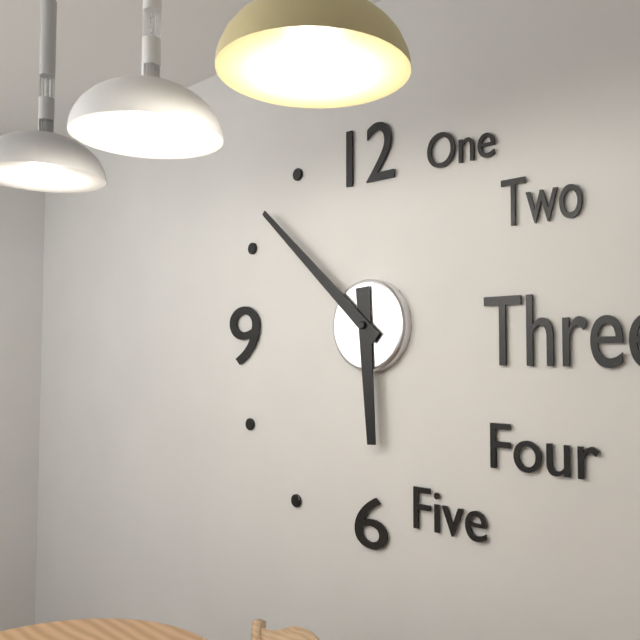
5:52
